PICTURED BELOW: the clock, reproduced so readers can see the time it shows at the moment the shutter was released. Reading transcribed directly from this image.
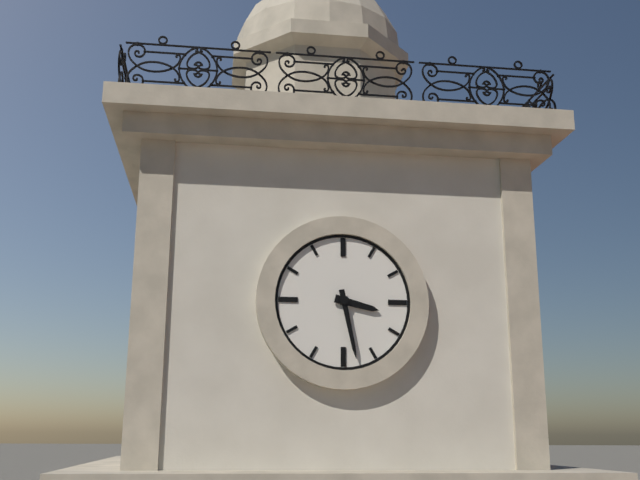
3:28
